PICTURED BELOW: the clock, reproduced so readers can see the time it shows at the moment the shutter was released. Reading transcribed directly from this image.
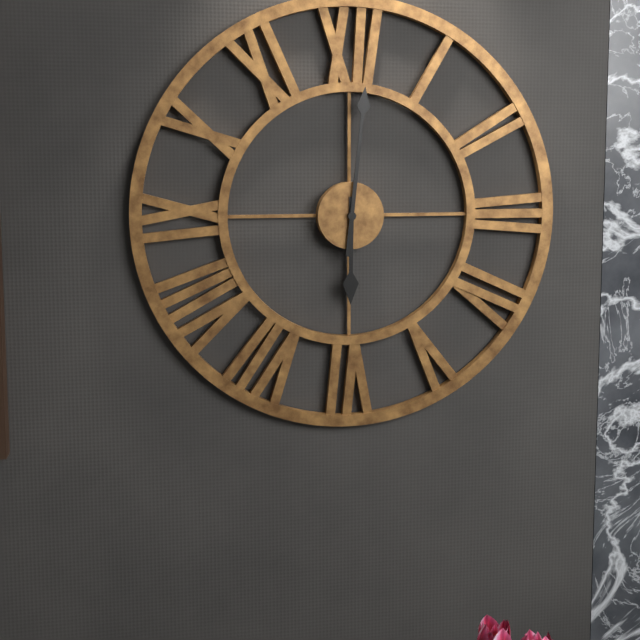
6:01
